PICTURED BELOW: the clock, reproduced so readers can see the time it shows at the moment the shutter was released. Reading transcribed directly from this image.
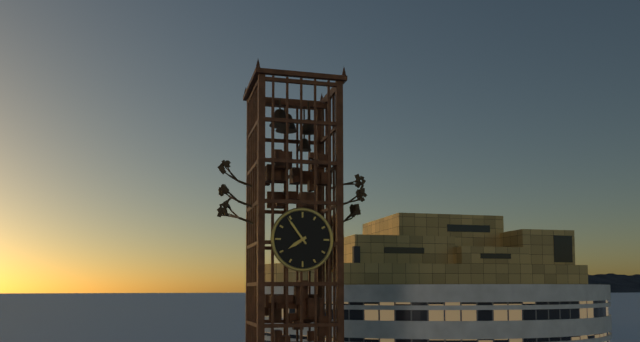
7:54
